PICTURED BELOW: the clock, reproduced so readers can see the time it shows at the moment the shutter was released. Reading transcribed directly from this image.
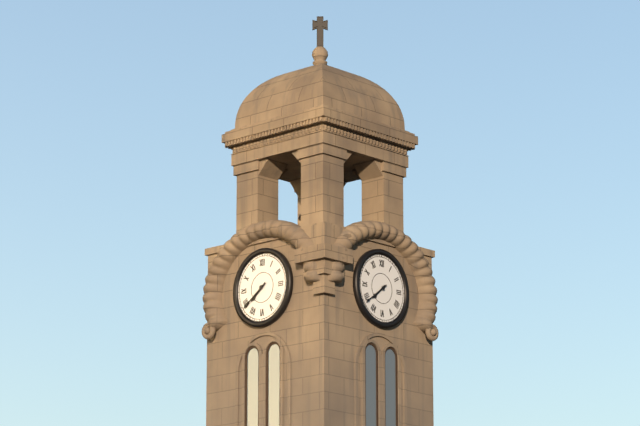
7:39
